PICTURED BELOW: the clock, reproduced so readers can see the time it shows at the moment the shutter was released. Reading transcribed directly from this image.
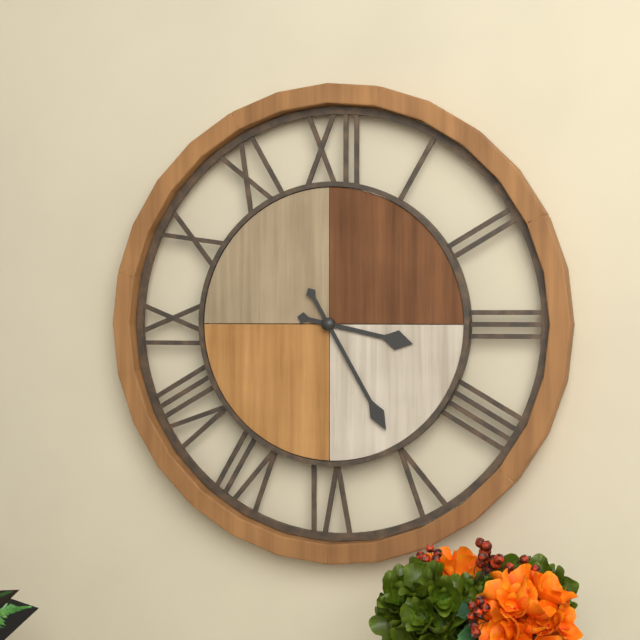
3:25
